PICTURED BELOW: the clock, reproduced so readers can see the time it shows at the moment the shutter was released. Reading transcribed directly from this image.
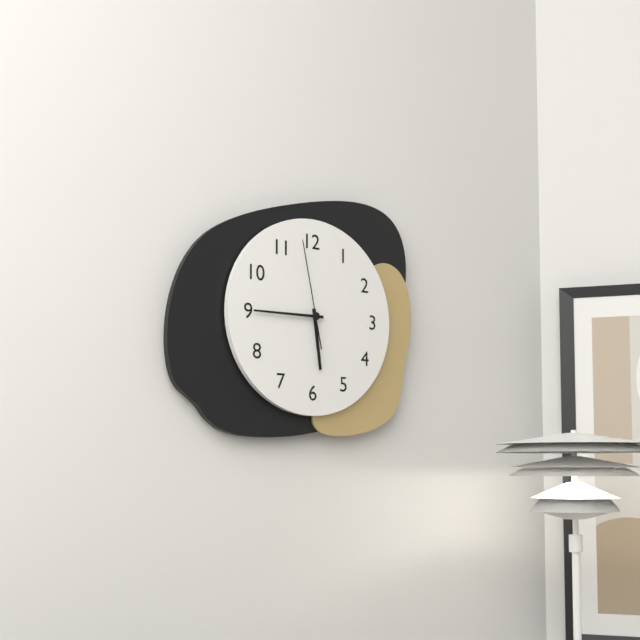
5:45:58
